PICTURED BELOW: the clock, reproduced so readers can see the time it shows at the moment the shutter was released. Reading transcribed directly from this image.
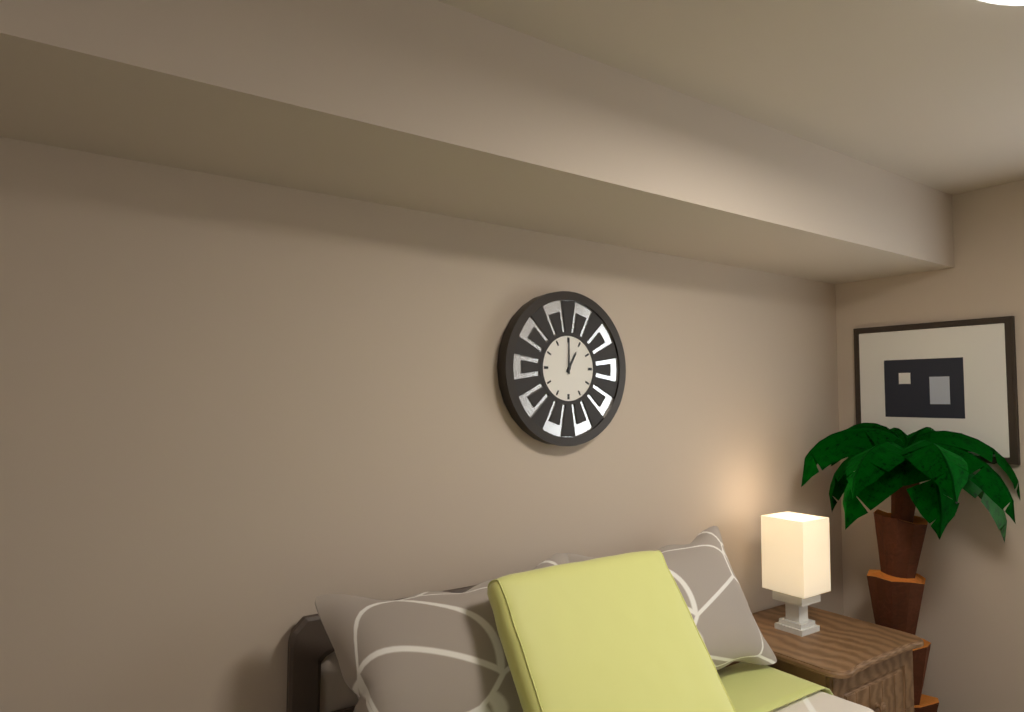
1:00
